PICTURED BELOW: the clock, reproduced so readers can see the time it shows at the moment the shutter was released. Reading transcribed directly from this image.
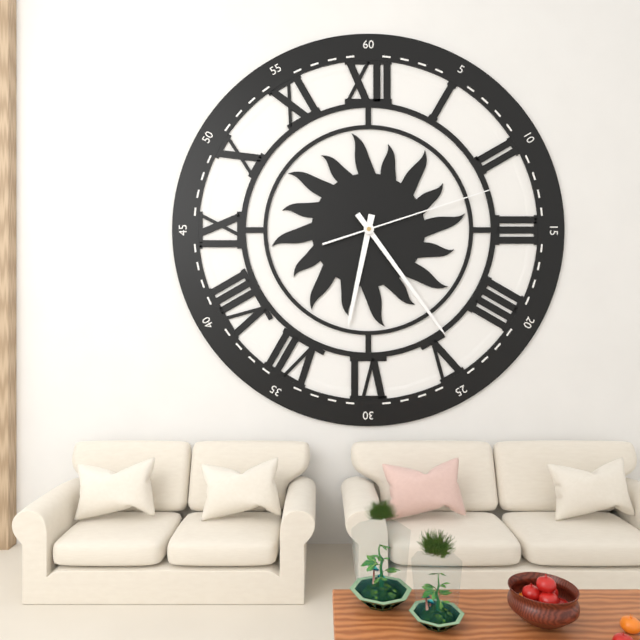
6:24:12
